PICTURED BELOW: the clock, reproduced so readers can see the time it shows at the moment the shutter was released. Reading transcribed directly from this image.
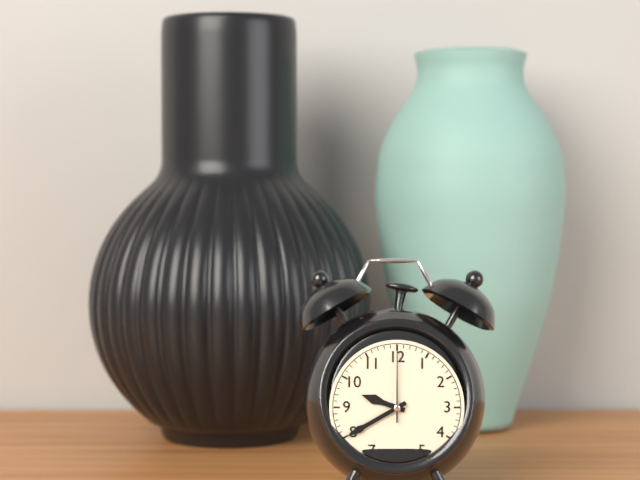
9:40:00
